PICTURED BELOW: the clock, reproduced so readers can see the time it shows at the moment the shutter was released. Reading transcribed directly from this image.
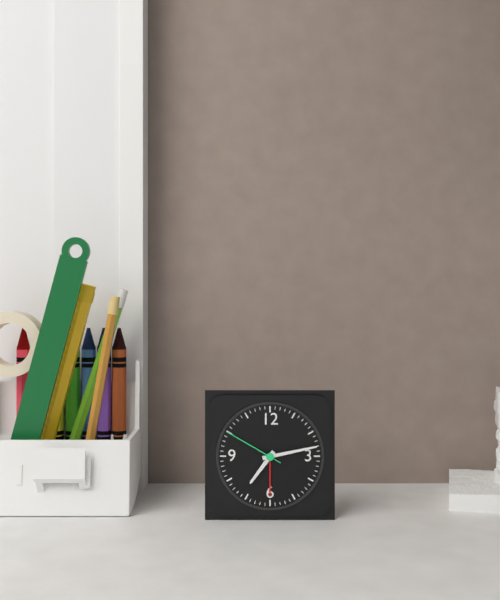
7:13:50
